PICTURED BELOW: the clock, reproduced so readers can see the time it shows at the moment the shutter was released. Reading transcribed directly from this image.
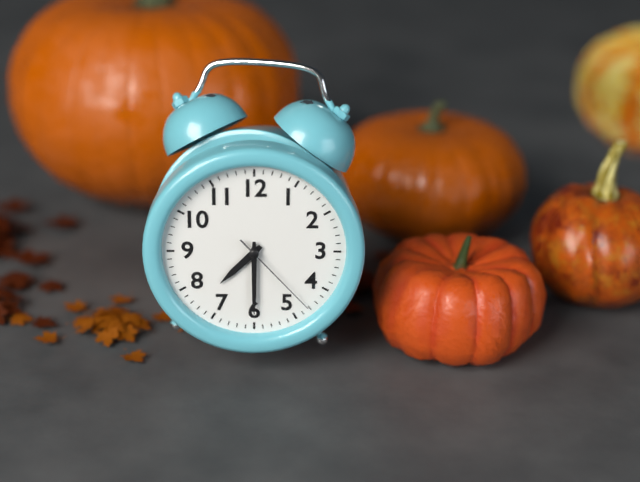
7:30:23
